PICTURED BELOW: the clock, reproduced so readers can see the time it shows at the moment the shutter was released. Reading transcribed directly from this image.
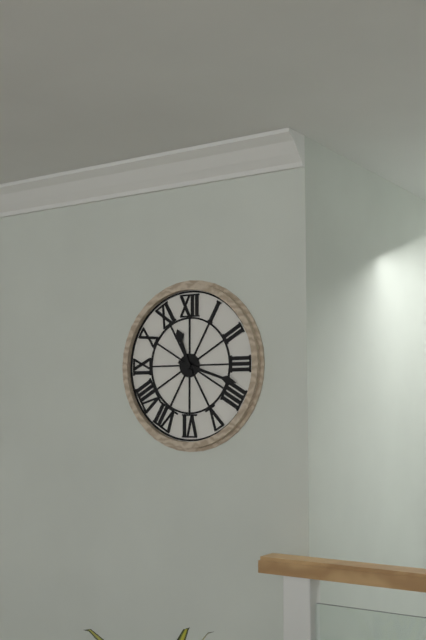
11:18
